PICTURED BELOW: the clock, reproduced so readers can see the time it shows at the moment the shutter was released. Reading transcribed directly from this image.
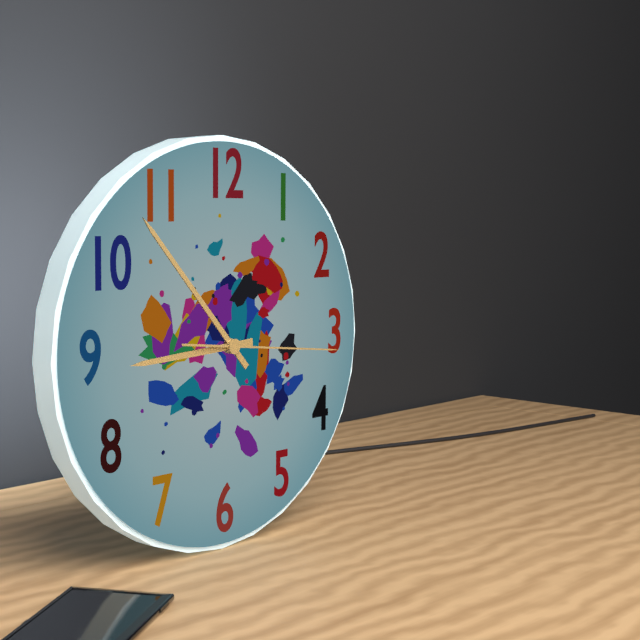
8:53:16
